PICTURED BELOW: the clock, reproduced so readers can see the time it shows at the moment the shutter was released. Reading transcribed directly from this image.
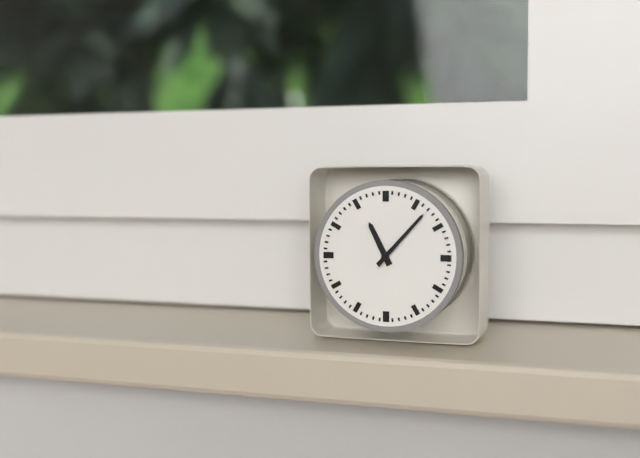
11:07
